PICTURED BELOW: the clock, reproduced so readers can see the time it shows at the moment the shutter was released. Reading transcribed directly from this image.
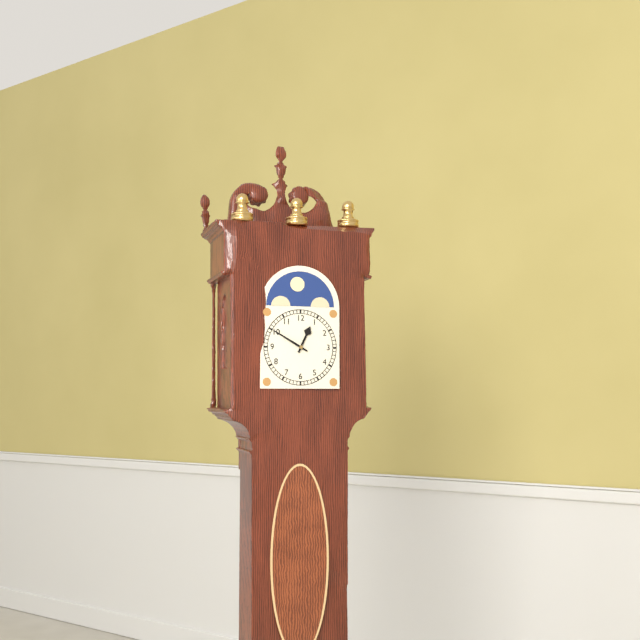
12:50
